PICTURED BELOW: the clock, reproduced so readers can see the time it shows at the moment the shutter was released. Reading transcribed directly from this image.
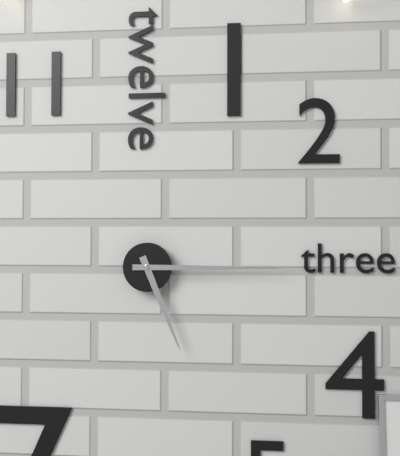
5:15
